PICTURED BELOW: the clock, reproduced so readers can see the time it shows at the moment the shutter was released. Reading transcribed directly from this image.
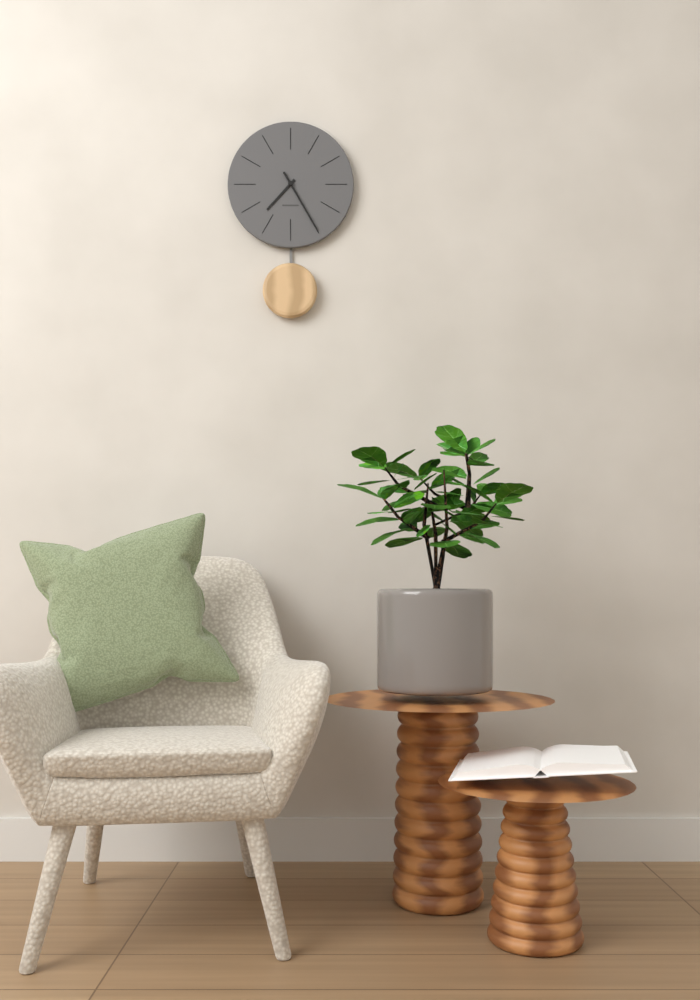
7:25
